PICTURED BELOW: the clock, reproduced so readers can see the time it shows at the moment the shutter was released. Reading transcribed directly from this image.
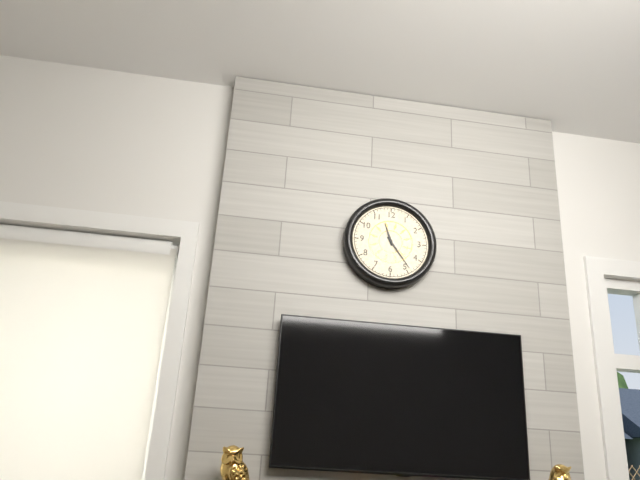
11:24
